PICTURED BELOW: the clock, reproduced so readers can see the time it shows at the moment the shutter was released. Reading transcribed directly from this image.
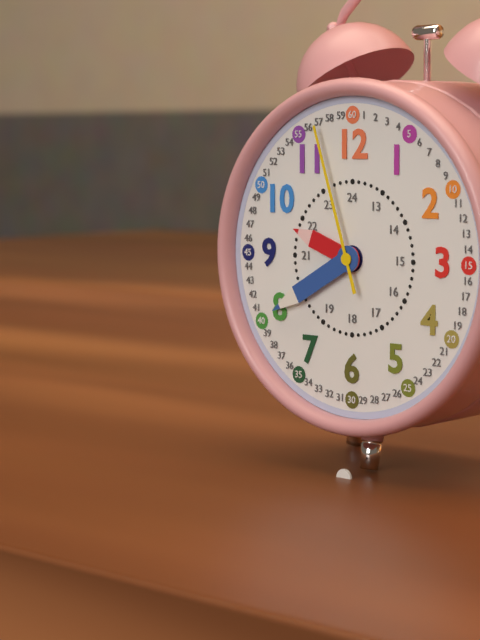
9:40:57
